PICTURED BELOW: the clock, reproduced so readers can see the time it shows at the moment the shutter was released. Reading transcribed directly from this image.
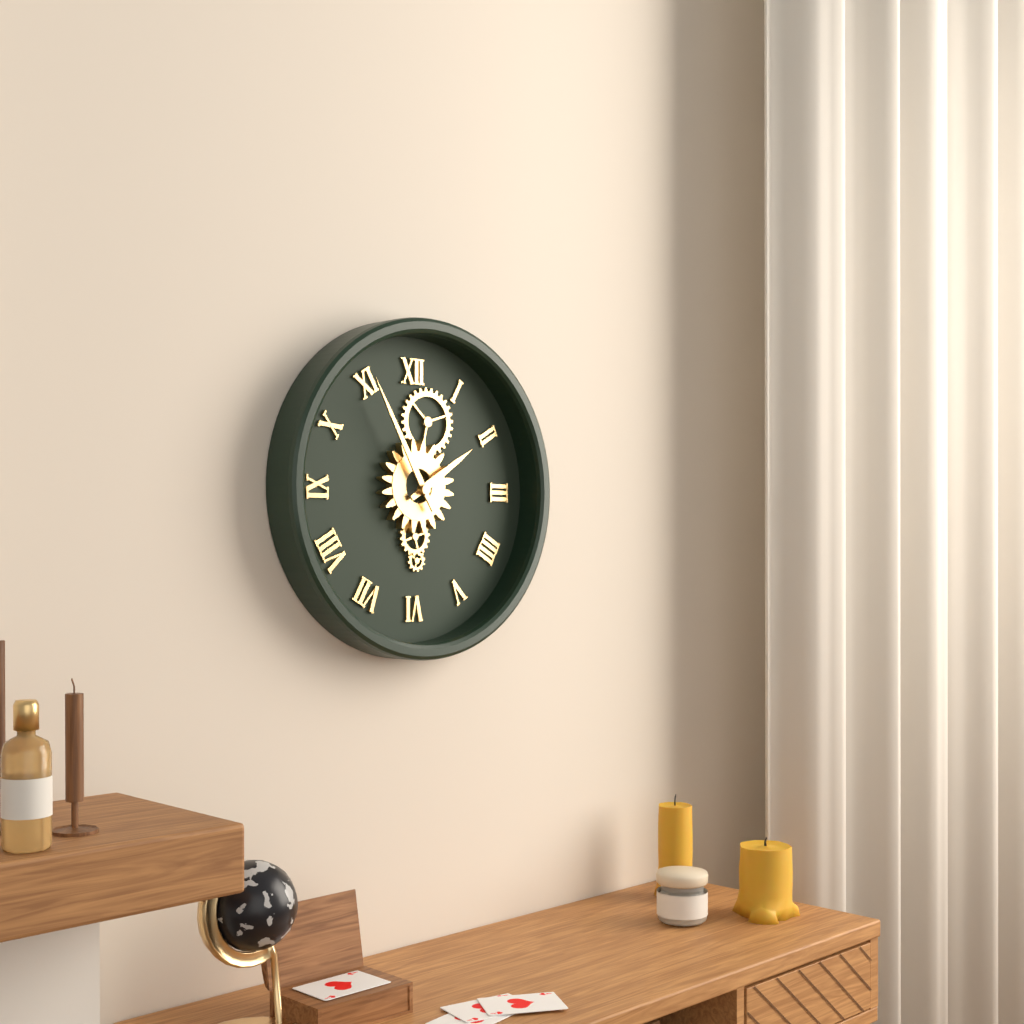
1:55
